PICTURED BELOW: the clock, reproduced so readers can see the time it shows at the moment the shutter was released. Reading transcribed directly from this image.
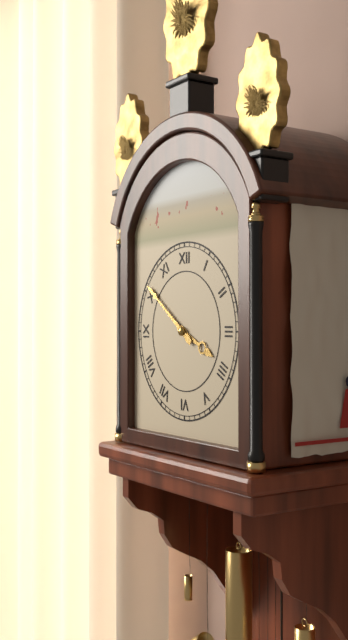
3:51
